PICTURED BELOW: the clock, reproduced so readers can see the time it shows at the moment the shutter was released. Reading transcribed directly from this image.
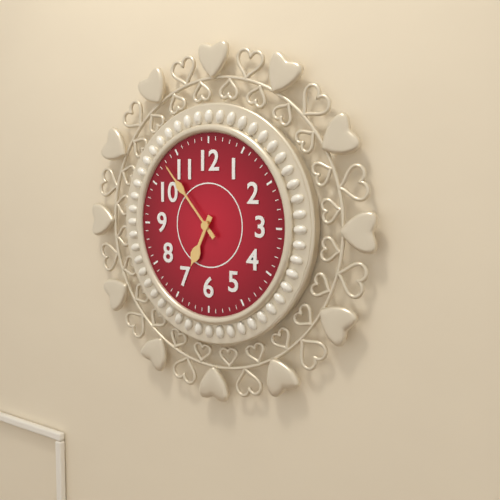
6:53
